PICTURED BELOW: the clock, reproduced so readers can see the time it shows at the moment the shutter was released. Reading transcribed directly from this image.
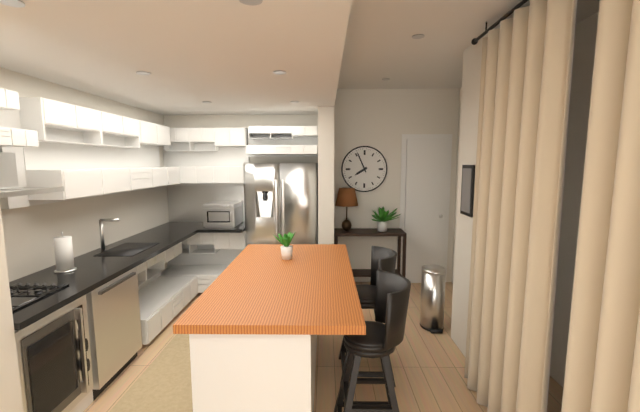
7:56
